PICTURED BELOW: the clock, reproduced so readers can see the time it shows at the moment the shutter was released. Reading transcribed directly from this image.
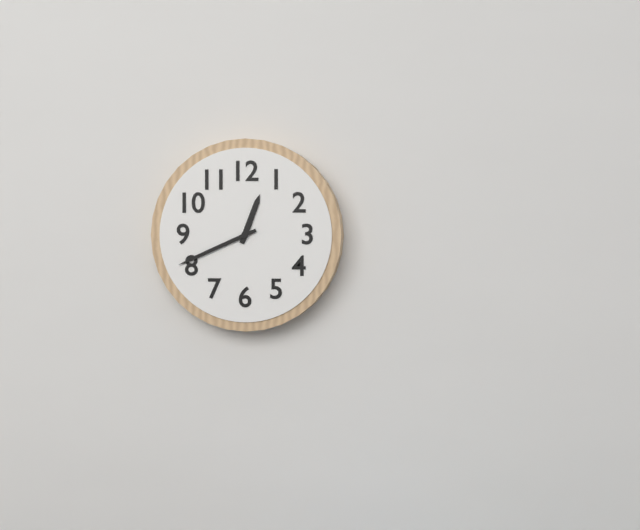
12:41
